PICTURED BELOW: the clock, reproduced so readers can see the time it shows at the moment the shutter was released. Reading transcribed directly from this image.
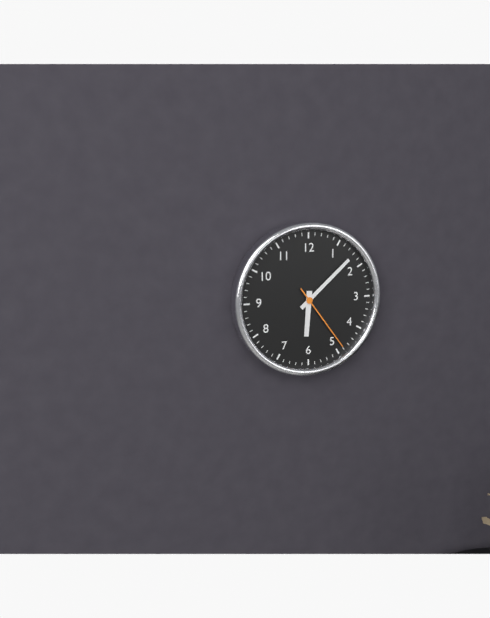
6:08:24
